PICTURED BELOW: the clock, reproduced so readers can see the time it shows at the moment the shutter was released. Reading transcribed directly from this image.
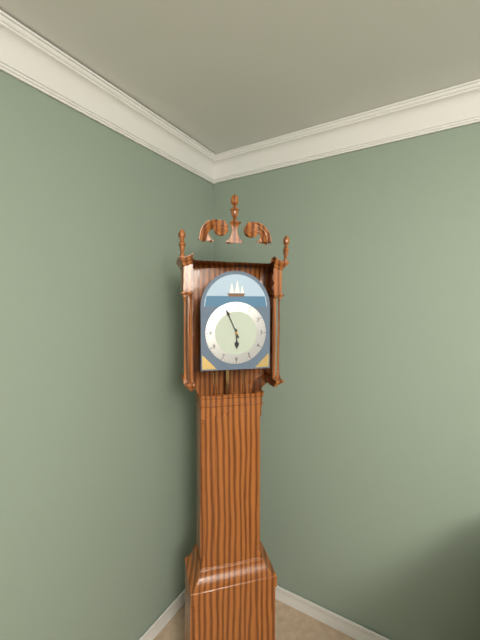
5:56
